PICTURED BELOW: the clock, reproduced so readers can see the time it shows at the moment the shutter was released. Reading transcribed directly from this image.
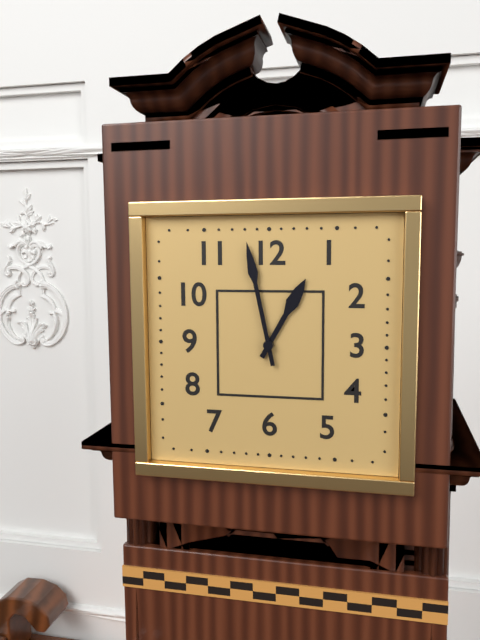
12:58
